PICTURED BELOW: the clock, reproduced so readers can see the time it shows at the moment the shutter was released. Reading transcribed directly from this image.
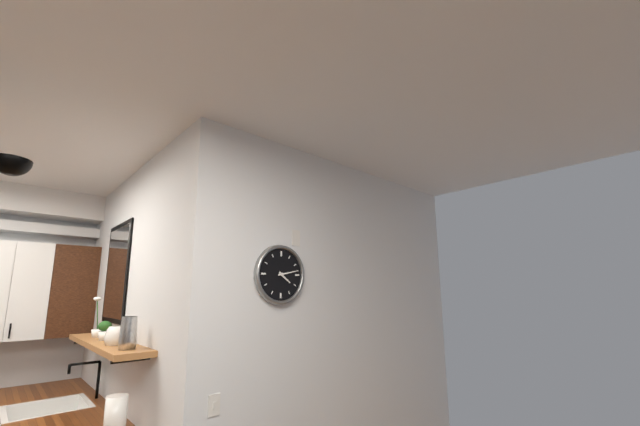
4:13
